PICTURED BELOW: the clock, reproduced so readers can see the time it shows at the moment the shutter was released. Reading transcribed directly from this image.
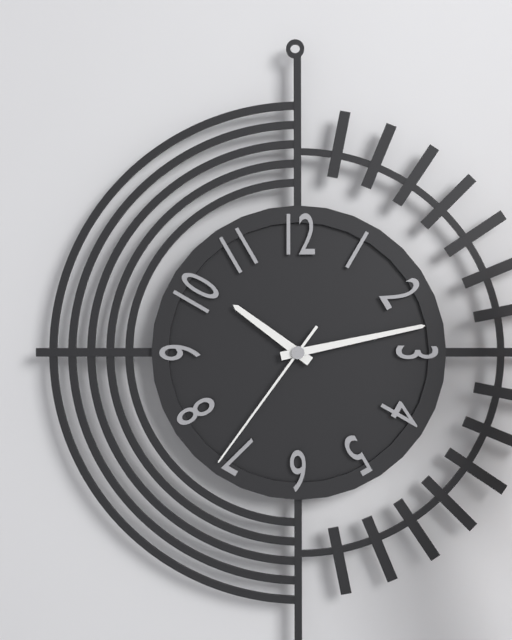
10:13:36
